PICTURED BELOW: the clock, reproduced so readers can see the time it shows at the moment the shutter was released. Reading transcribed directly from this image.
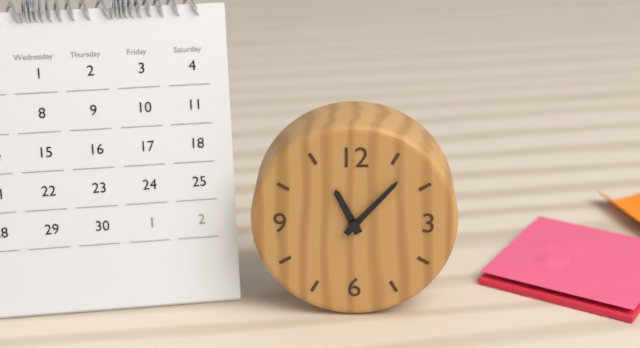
11:07
